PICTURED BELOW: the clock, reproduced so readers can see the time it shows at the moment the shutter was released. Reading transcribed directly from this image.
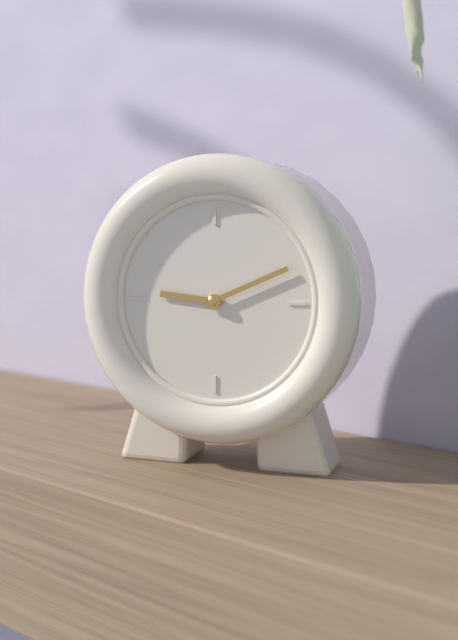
9:11
